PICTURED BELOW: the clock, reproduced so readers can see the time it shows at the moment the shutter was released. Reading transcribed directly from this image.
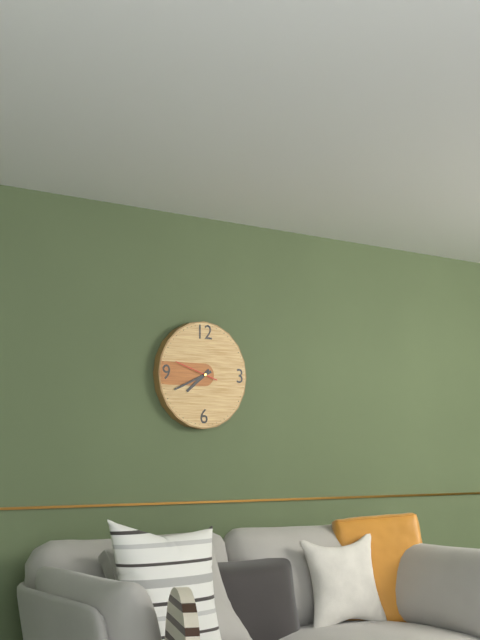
7:41
